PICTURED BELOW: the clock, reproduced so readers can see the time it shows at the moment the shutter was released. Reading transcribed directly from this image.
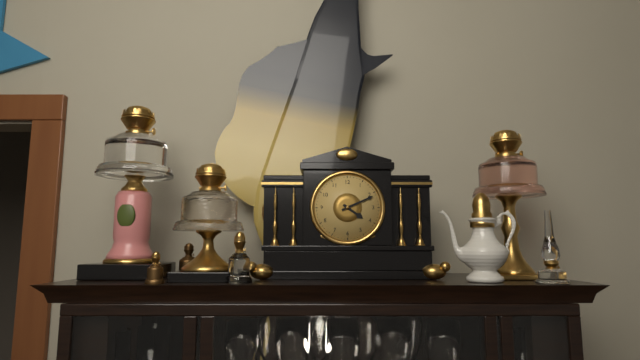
4:11
